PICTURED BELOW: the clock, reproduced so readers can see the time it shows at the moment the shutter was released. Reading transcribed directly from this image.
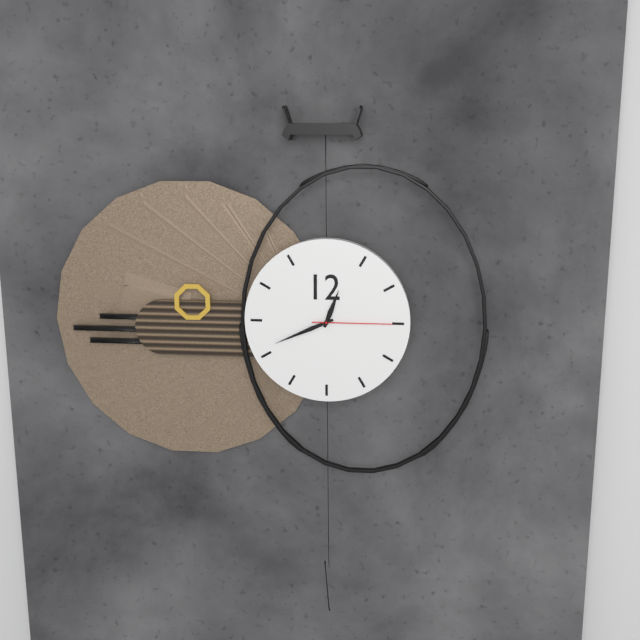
12:41:15
